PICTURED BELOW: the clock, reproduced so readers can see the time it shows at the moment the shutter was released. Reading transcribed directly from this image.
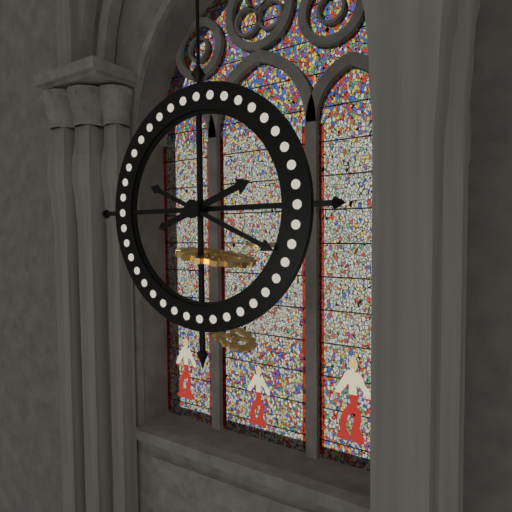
2:19
